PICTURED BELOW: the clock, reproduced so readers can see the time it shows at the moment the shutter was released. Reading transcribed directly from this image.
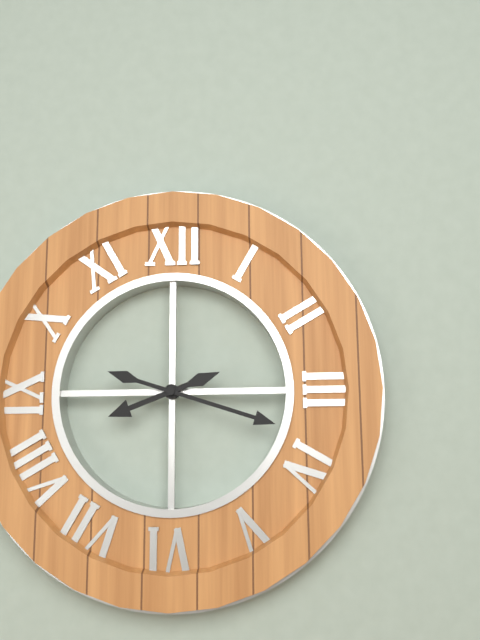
8:18
